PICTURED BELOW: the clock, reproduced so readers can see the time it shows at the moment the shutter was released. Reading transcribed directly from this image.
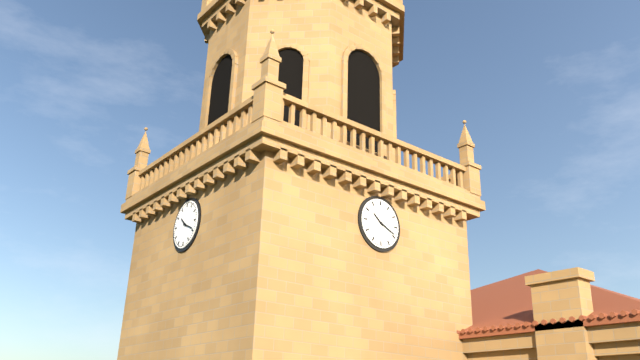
10:19
